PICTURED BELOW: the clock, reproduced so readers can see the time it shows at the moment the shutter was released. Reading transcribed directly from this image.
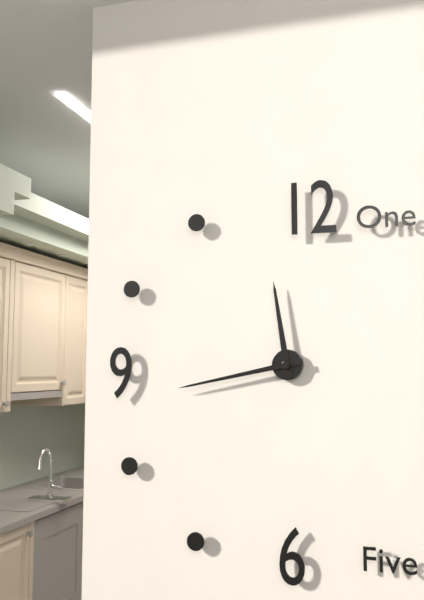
11:43
